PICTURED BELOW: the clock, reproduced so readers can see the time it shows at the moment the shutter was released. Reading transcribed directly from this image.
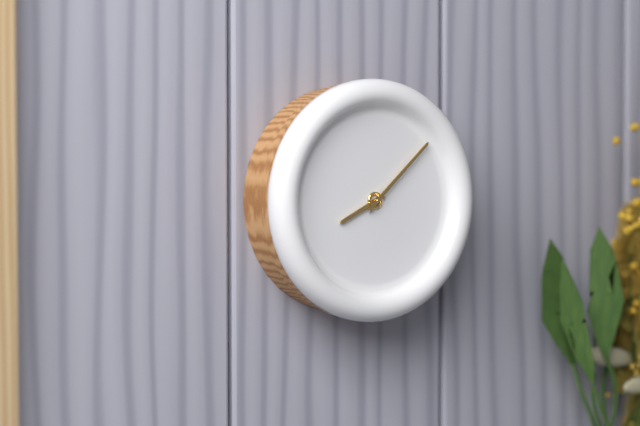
8:08
